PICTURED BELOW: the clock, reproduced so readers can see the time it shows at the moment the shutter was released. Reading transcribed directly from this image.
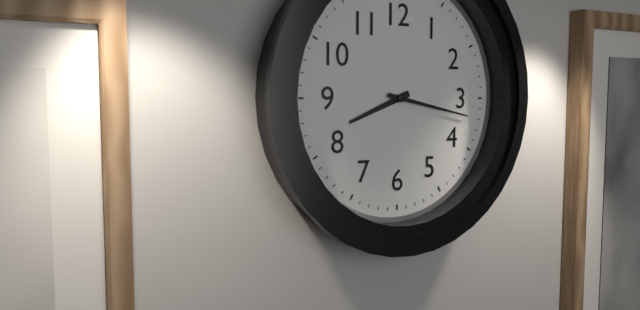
8:17
